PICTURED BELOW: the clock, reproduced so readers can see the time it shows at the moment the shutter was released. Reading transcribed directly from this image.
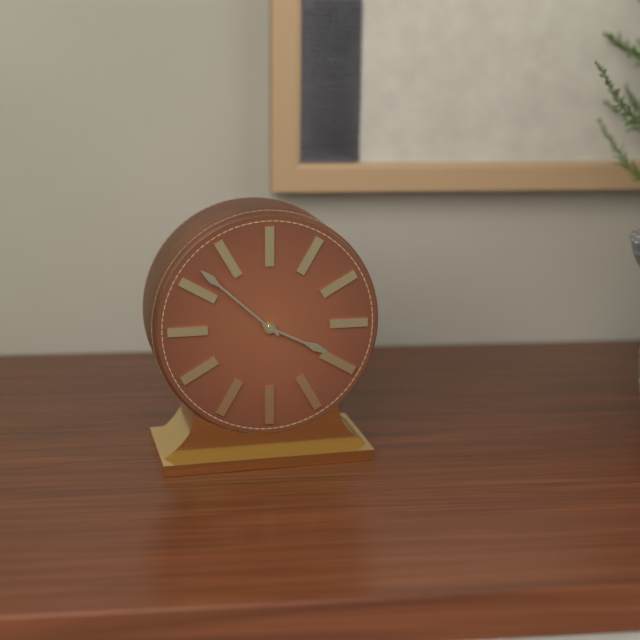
3:52
